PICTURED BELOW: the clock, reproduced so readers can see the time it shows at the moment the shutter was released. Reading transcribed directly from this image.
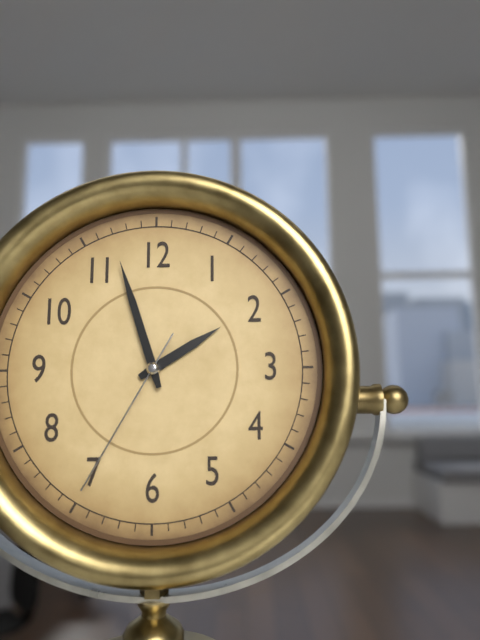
1:57:35
